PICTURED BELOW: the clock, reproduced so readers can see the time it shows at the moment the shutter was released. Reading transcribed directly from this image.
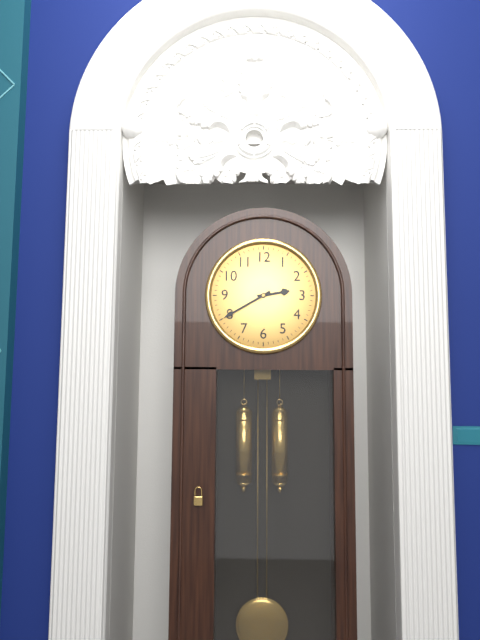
2:40
